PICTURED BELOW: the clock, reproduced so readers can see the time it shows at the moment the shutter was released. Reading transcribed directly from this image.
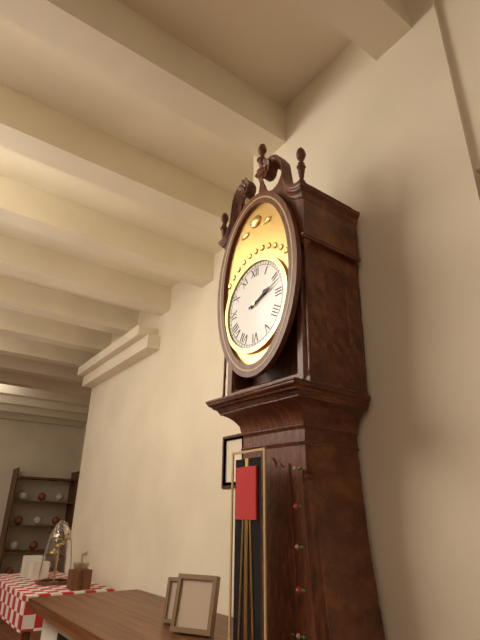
2:12
